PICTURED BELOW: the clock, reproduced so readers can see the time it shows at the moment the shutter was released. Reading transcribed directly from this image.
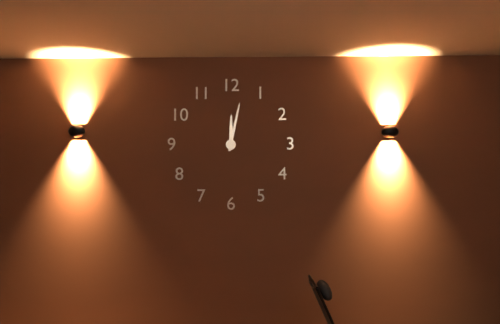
12:02
